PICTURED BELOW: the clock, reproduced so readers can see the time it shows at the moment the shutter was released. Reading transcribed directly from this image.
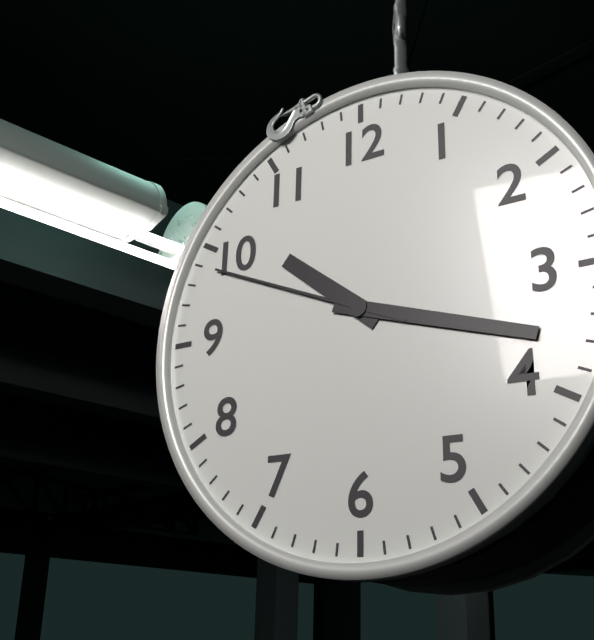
10:18:49
